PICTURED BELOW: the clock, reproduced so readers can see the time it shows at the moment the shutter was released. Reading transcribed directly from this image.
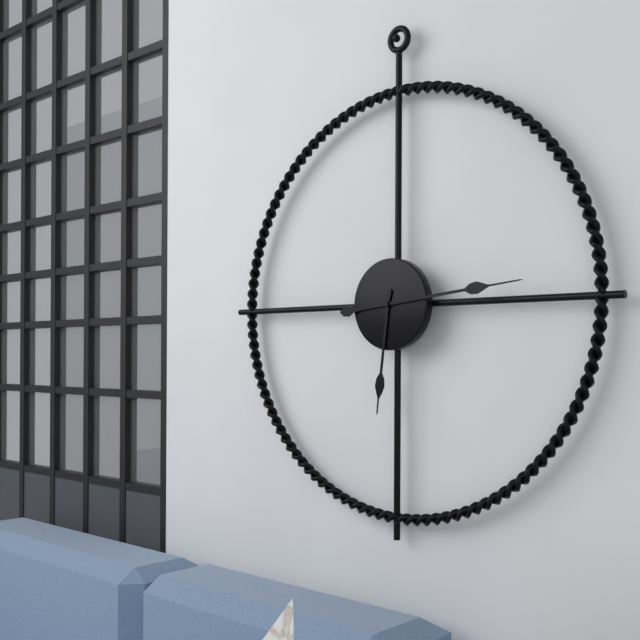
6:14
